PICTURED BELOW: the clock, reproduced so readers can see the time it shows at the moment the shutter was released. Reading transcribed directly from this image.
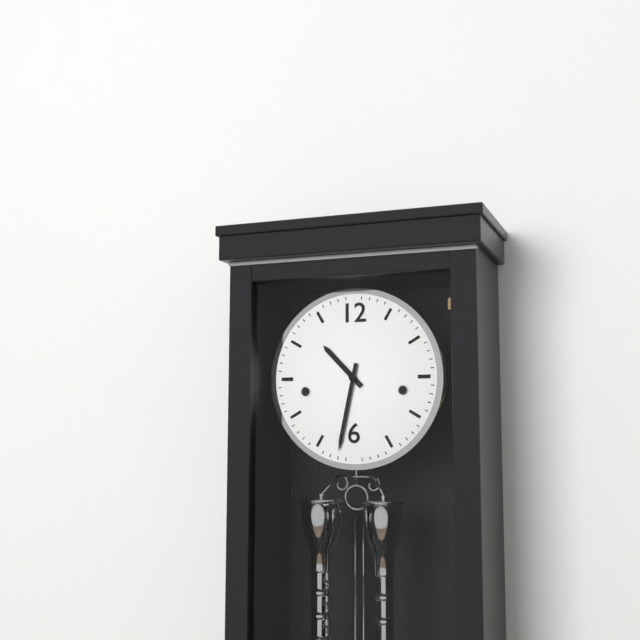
10:32
